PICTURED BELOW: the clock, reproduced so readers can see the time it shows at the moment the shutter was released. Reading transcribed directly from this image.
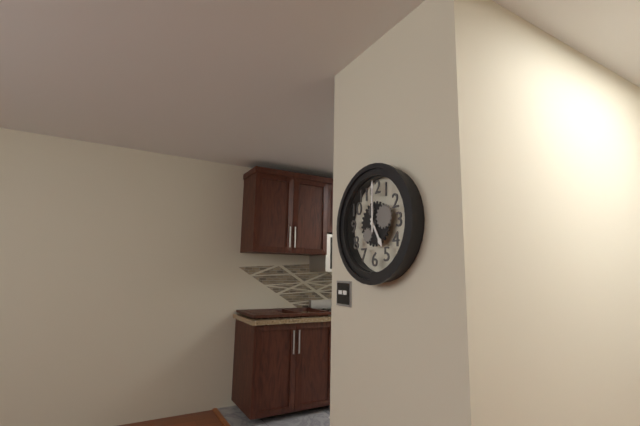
5:00
